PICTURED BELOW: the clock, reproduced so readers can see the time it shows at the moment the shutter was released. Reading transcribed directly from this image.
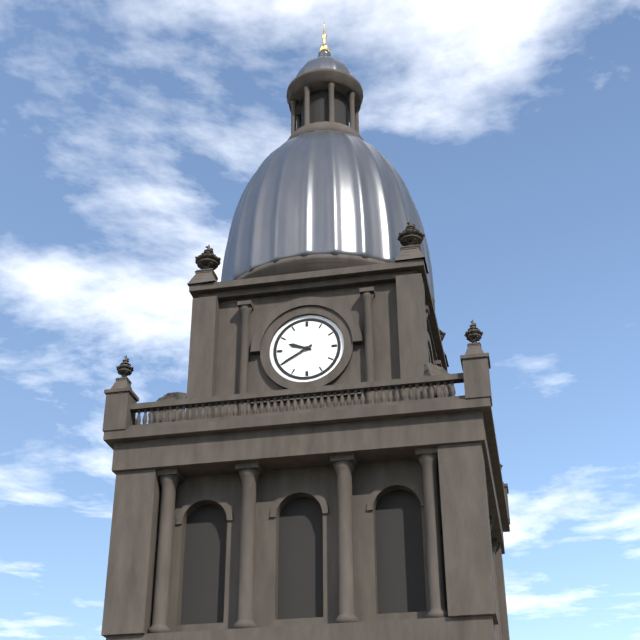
9:40
